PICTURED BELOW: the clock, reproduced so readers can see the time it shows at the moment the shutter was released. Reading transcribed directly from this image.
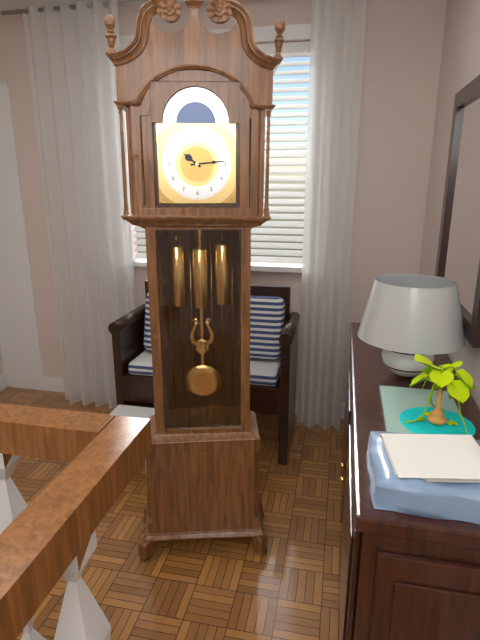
10:14
